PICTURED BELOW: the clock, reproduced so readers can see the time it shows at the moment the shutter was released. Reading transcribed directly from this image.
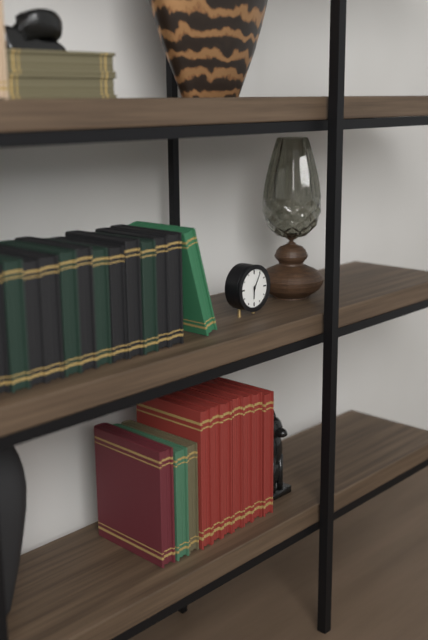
6:05
